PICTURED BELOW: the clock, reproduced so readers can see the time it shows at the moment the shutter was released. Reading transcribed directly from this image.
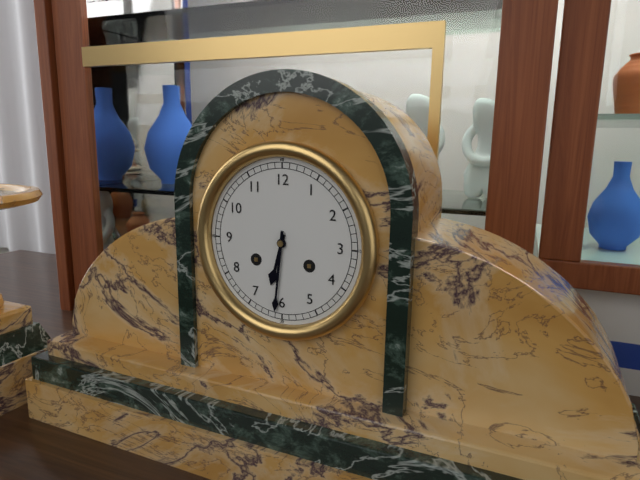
6:31
